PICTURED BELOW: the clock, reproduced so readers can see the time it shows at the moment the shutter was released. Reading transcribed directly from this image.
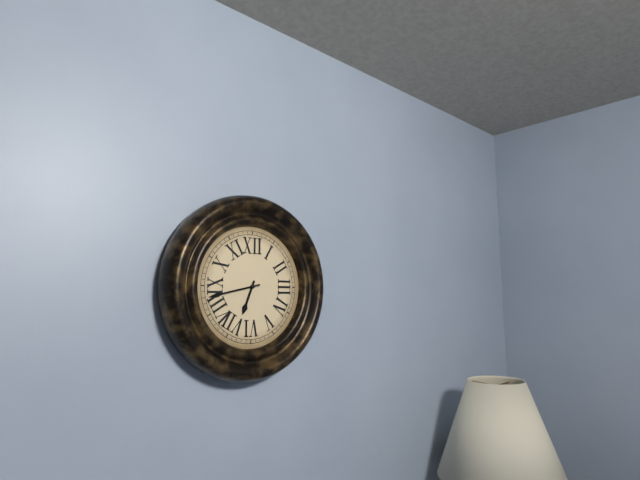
6:43
